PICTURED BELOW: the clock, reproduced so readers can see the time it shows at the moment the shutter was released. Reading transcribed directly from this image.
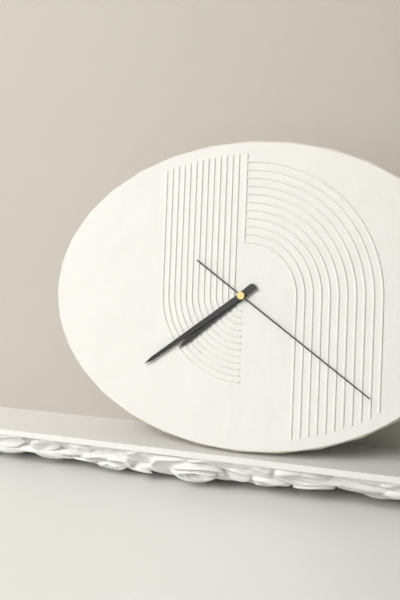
7:39:21
